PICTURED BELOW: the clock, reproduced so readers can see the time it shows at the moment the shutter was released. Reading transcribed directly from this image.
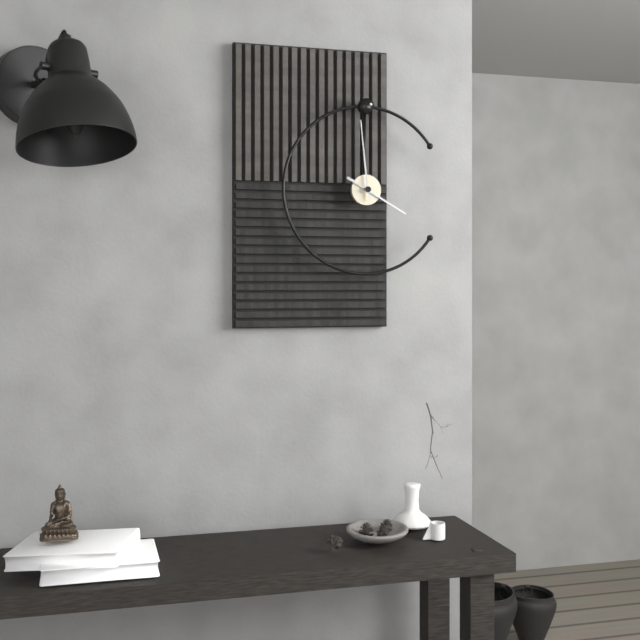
3:59
